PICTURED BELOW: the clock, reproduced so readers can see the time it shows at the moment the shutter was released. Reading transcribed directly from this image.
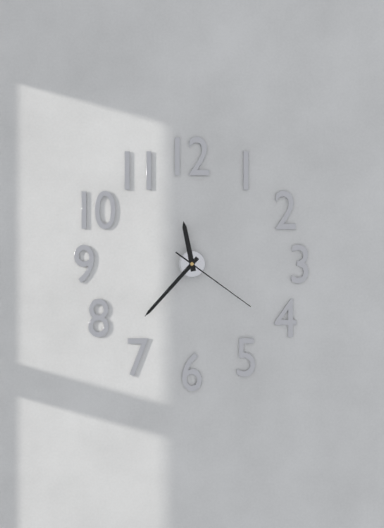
11:37:21
